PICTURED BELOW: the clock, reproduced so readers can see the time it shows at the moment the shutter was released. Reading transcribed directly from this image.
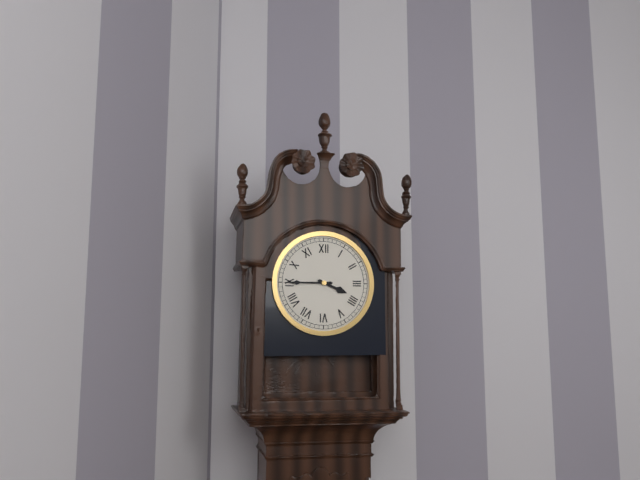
3:45
